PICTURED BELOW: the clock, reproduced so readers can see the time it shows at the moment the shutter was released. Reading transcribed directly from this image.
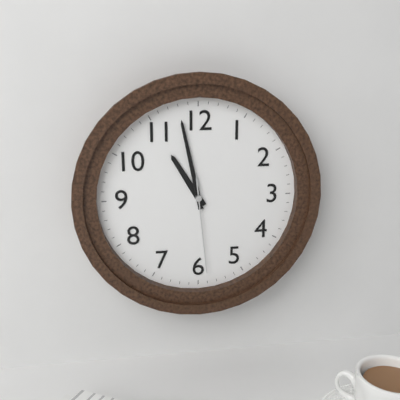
10:58:29
